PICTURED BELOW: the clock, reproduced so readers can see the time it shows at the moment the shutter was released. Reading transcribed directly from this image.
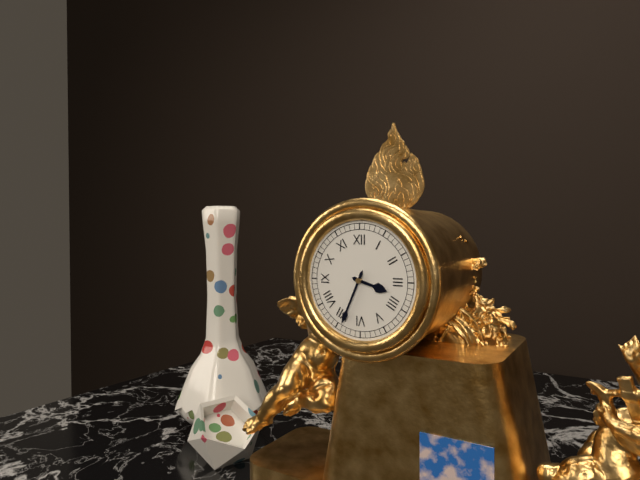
3:34
